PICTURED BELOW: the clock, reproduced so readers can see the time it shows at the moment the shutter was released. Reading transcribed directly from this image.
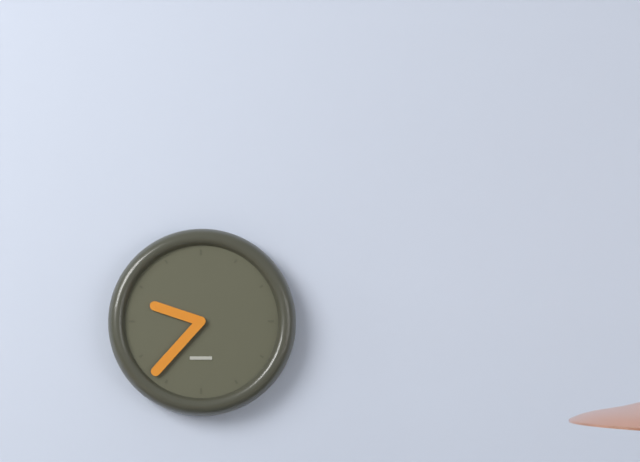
9:37
